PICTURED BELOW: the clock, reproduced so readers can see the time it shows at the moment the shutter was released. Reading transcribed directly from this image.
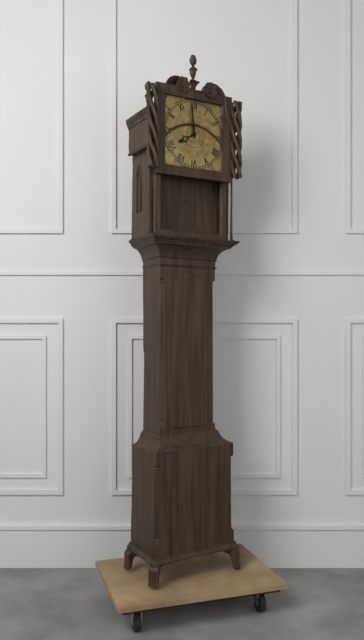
7:59
